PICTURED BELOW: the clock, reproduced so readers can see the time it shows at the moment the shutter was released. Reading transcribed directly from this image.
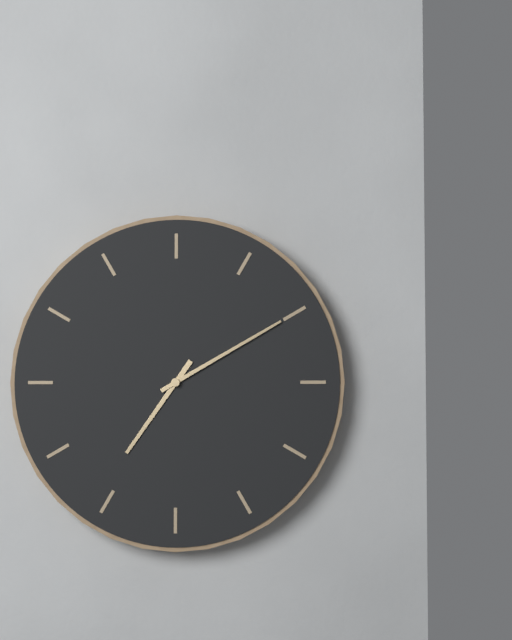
7:10
